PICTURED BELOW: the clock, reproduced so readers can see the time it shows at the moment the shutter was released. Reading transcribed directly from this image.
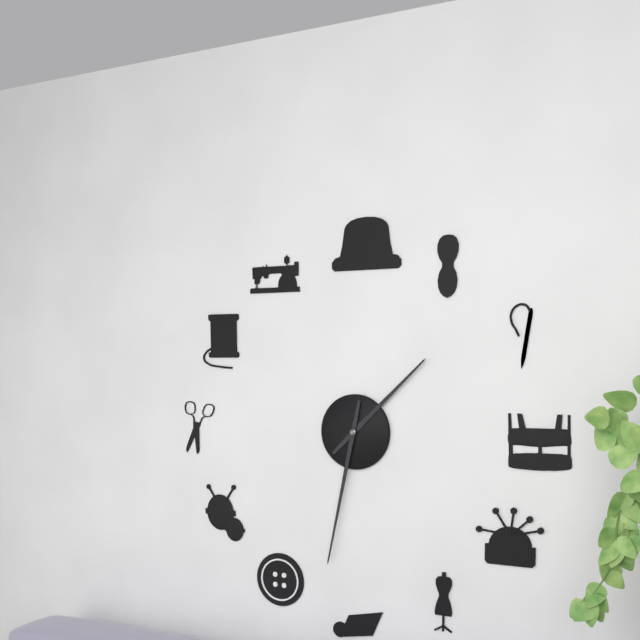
1:32
